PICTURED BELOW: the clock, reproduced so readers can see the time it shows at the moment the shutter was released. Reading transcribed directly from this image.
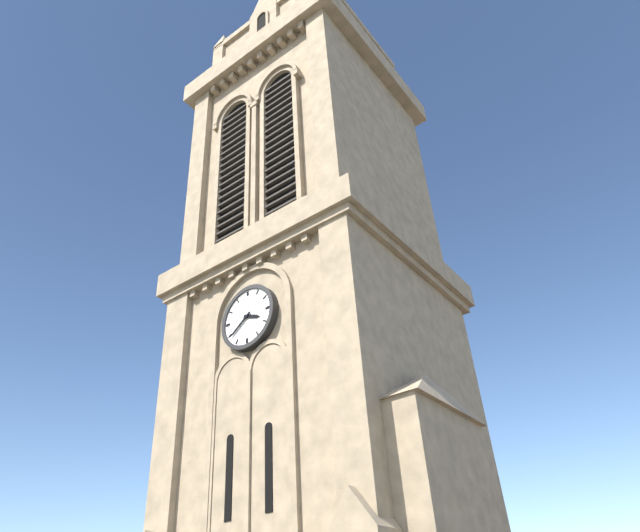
3:39
